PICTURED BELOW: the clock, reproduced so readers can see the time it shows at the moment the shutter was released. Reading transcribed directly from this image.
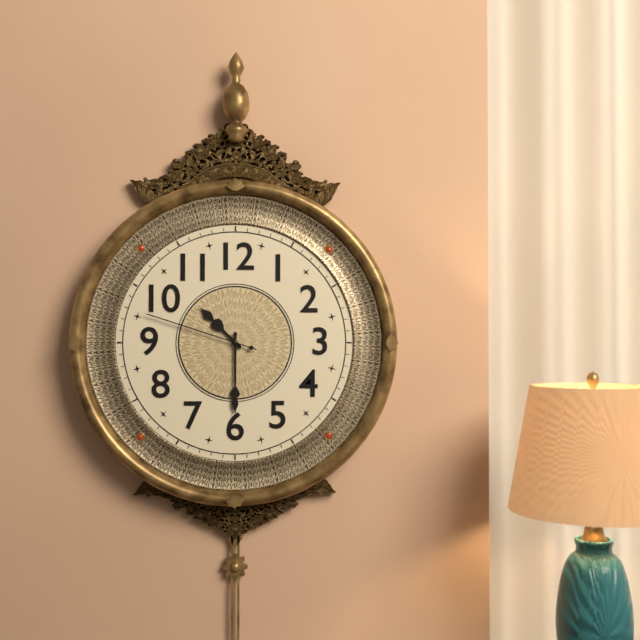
10:30:48
